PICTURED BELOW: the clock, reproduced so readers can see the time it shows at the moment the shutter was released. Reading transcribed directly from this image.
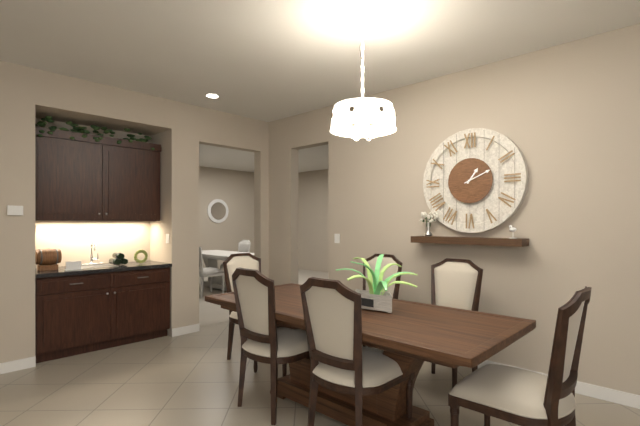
1:11
